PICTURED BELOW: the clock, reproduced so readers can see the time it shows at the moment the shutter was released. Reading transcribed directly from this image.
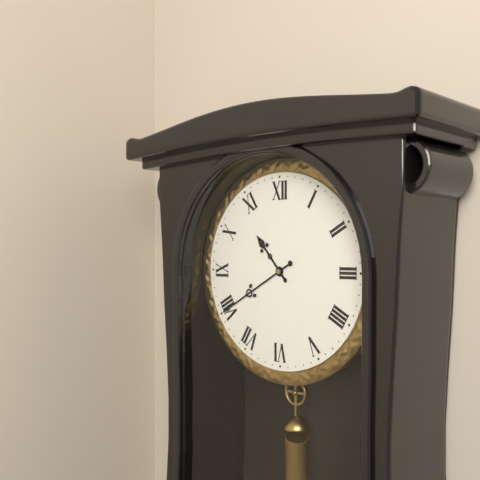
10:40
